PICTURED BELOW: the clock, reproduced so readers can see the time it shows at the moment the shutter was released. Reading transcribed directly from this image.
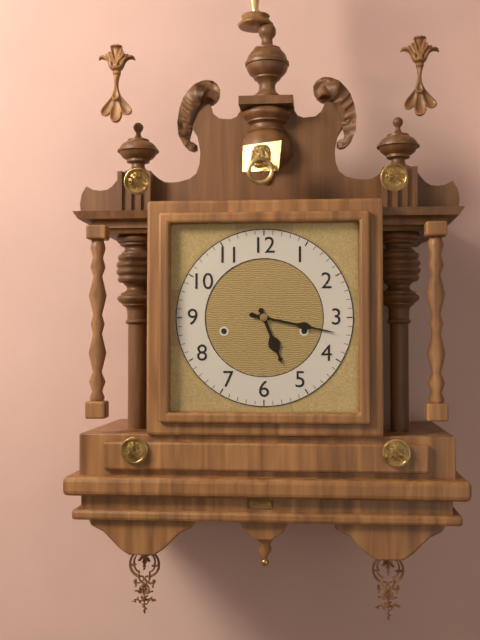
5:17
